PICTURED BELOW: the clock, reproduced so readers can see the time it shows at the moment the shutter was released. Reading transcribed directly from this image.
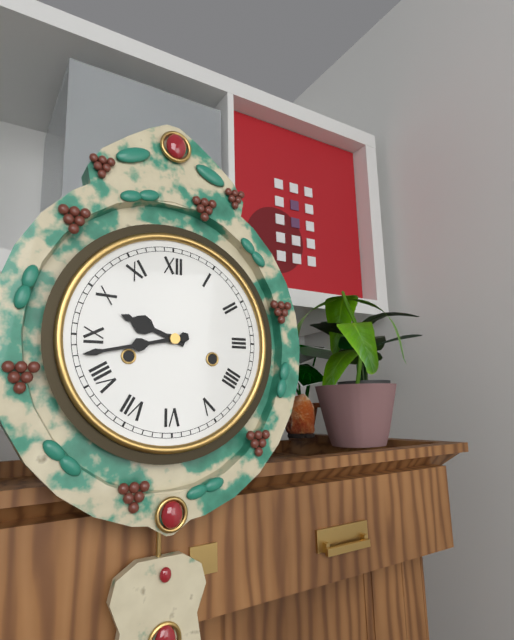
9:43
